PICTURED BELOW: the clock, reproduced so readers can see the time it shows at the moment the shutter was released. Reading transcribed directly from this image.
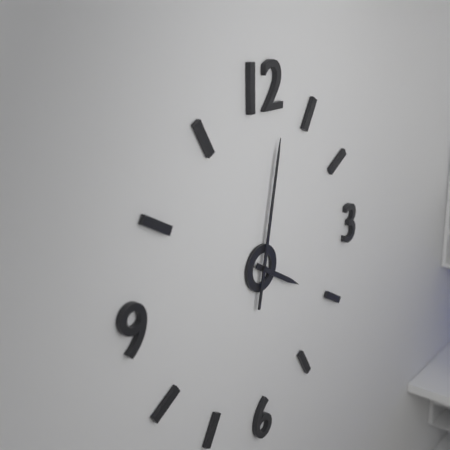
4:02
